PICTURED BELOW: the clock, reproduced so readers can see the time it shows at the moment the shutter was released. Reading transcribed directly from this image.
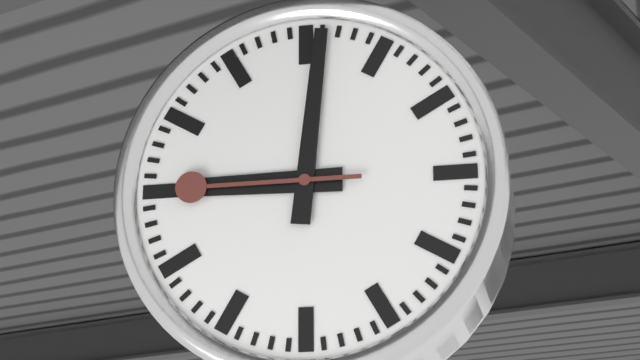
9:01:45
